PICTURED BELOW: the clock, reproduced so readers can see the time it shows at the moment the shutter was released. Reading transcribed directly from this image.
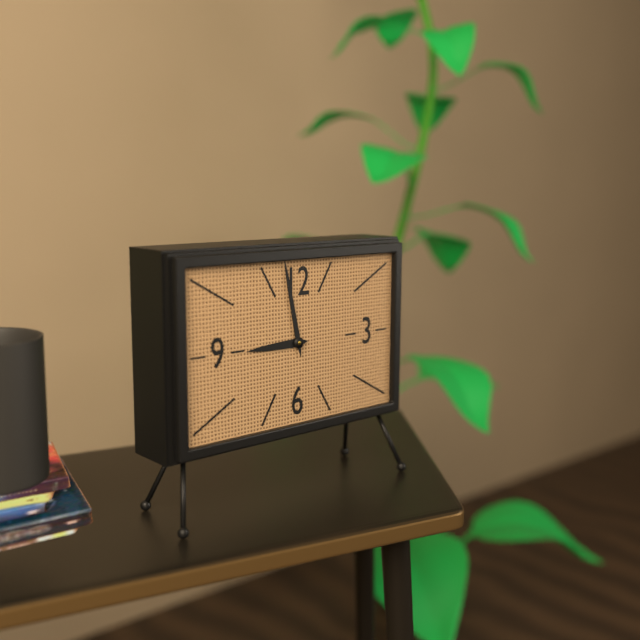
8:58
